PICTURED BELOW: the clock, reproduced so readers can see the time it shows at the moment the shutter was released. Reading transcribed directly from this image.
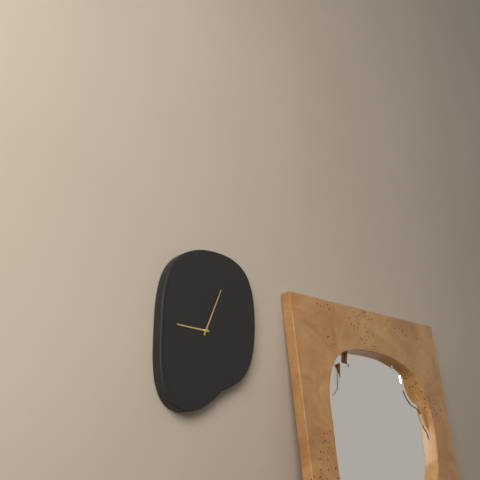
9:04
